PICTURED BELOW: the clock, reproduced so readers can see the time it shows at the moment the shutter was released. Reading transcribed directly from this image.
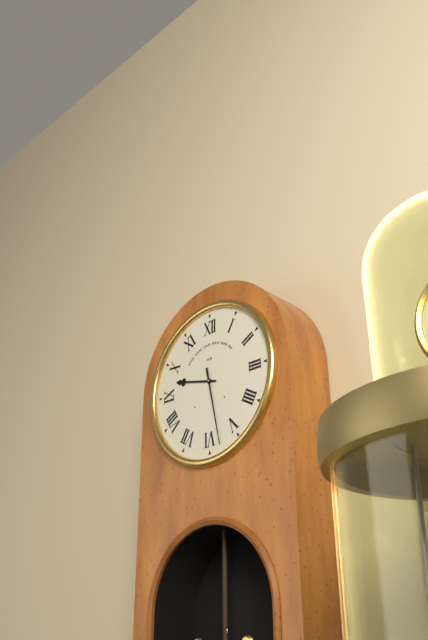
9:28
